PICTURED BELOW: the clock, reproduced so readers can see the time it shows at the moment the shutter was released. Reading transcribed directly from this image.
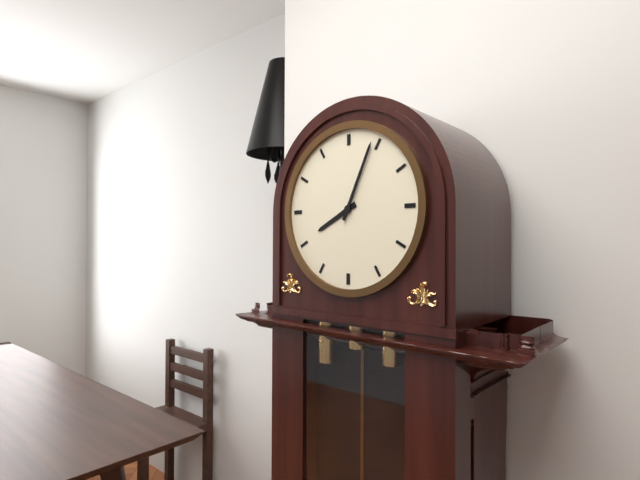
8:04
